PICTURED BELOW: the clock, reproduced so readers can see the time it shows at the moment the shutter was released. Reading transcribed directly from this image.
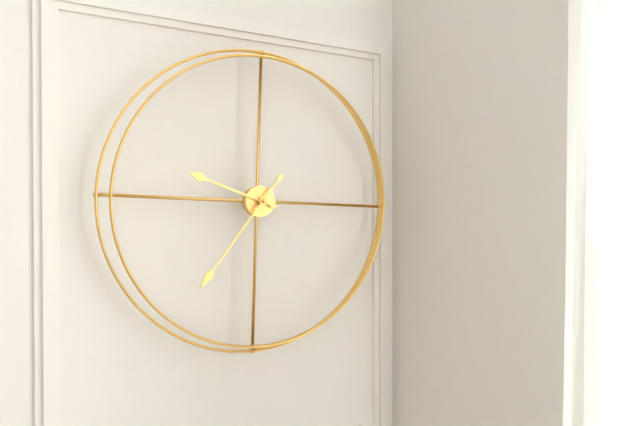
9:36
